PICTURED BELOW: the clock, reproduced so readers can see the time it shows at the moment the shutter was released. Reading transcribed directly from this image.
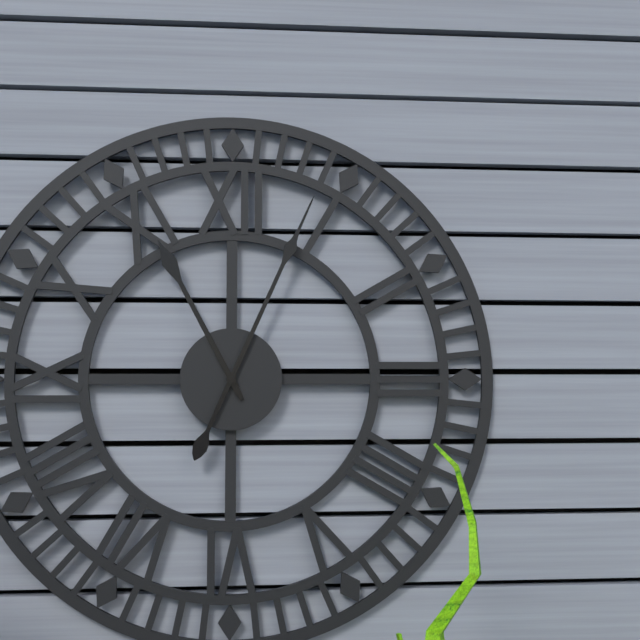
11:04
